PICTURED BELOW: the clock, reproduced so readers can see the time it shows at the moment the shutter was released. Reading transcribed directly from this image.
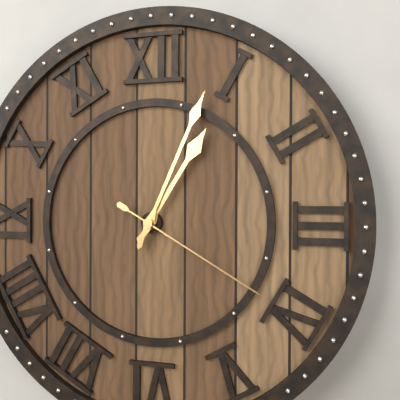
1:04:20
